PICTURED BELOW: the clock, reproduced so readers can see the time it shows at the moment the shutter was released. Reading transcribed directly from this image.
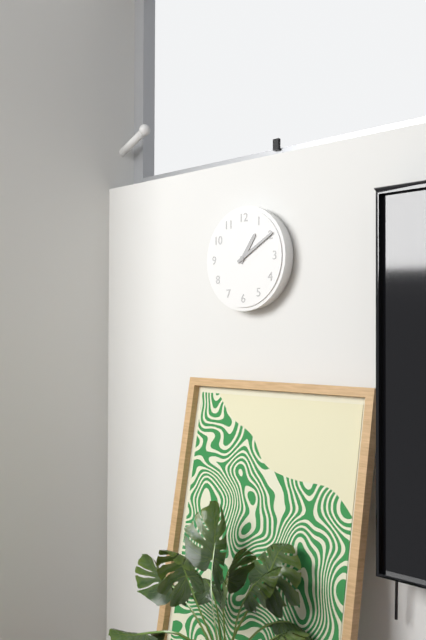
1:10
